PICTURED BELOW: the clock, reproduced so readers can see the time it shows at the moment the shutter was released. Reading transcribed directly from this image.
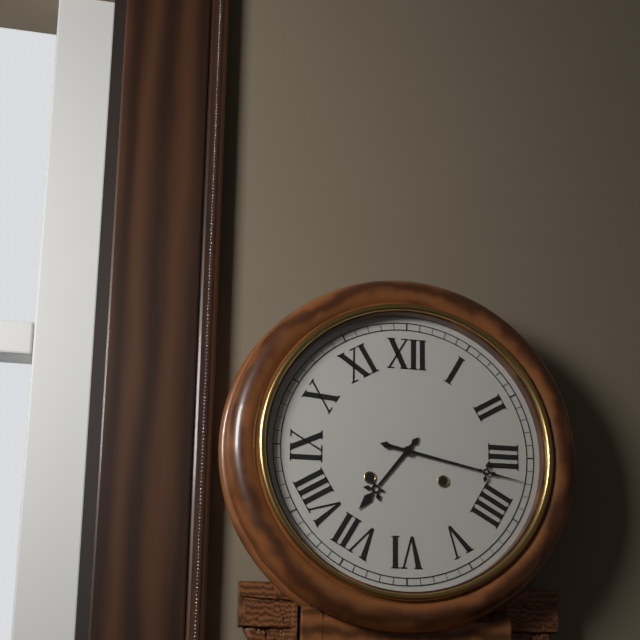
7:17
